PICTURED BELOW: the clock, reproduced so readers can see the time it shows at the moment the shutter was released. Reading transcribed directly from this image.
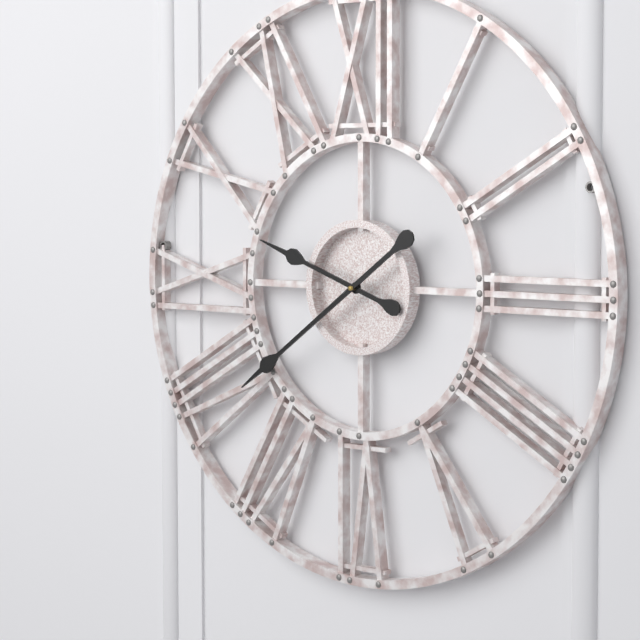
9:39
